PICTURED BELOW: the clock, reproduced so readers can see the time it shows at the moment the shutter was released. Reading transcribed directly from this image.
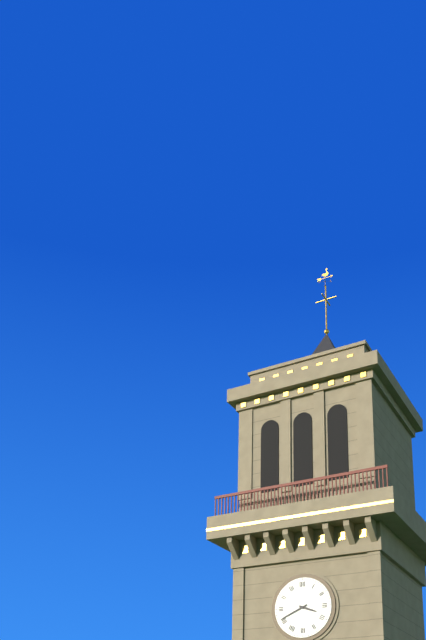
3:41
